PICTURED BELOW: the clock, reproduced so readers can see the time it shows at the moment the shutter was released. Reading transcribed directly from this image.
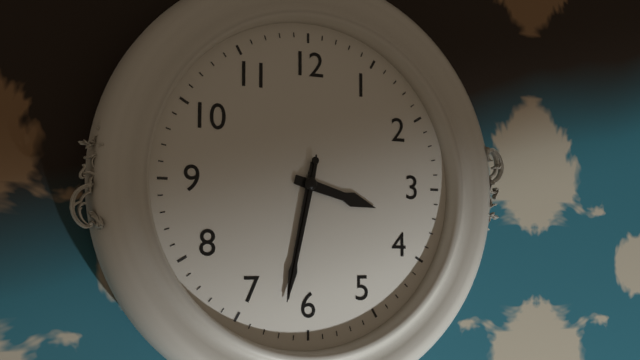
3:32:32
